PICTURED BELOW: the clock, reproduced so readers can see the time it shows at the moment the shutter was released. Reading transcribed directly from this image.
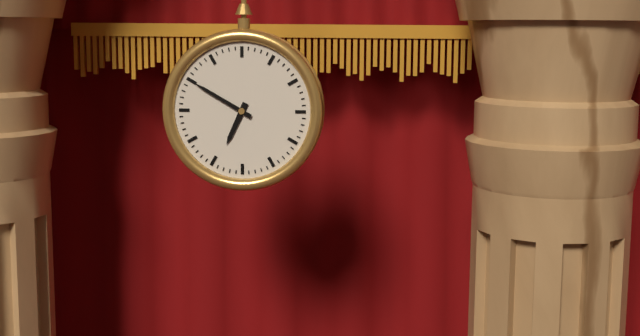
6:50
